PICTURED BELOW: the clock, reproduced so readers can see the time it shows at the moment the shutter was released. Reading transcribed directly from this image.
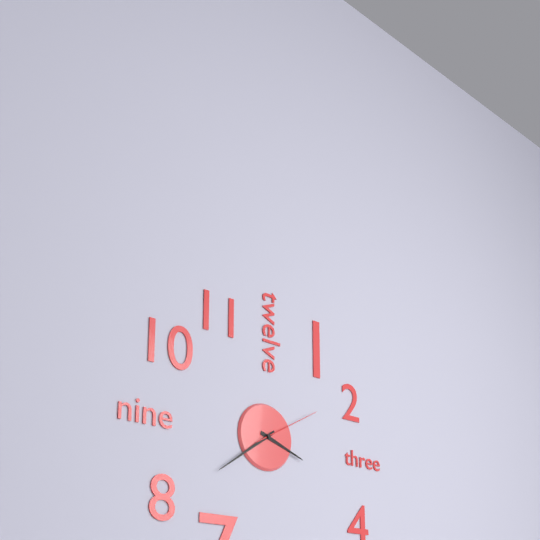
3:39:10
